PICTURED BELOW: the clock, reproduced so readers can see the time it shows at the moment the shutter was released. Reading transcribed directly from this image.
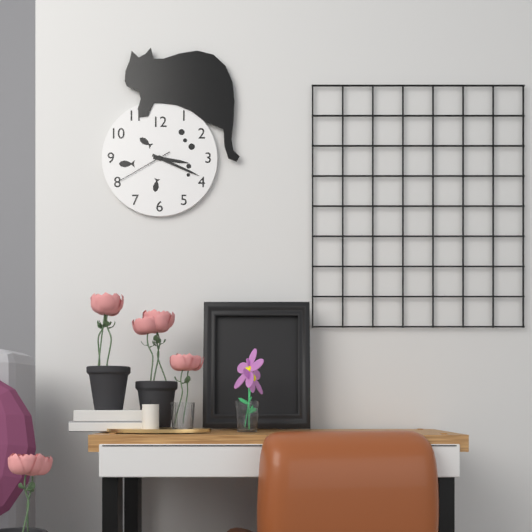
3:19:40
